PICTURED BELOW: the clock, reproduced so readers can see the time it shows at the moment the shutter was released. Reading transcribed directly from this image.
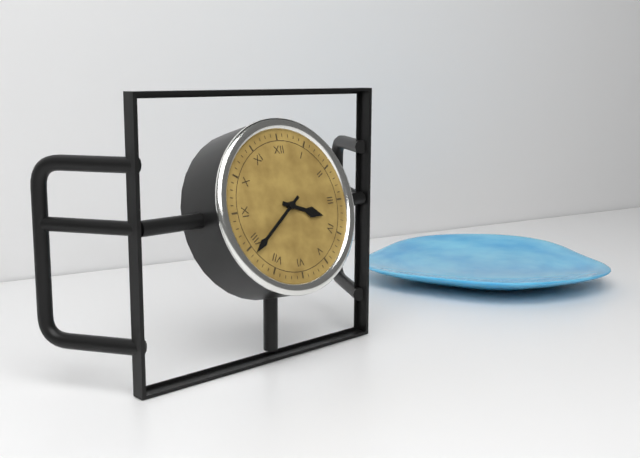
3:39
